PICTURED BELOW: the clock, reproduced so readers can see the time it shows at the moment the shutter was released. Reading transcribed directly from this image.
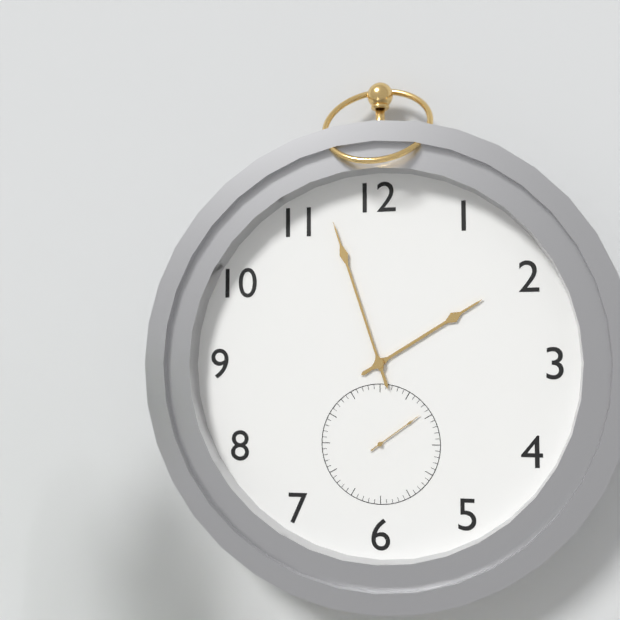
1:57:09
